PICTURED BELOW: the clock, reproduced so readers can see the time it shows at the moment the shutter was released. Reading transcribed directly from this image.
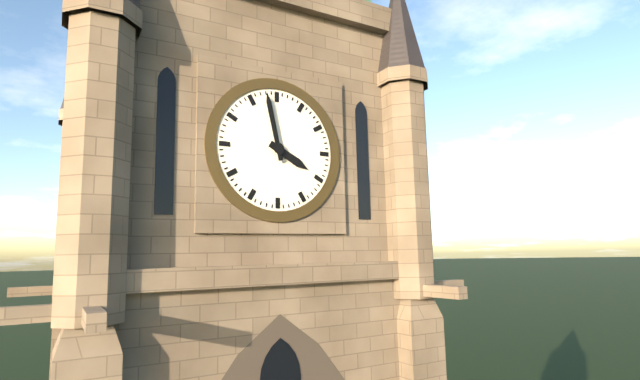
3:58
